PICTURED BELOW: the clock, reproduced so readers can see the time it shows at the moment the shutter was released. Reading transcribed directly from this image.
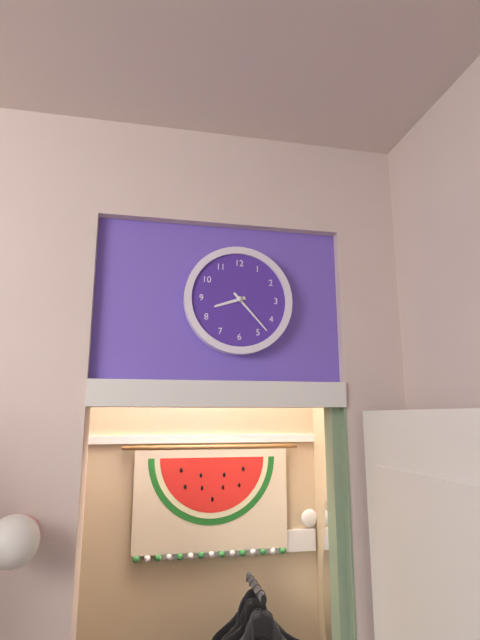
8:23
